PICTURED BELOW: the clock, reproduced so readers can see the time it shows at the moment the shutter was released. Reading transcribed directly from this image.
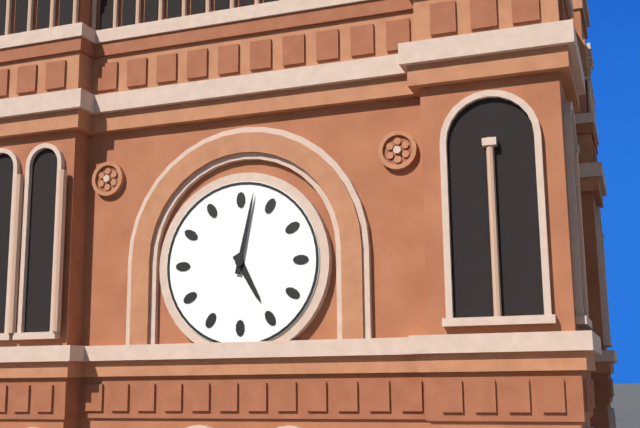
5:02
